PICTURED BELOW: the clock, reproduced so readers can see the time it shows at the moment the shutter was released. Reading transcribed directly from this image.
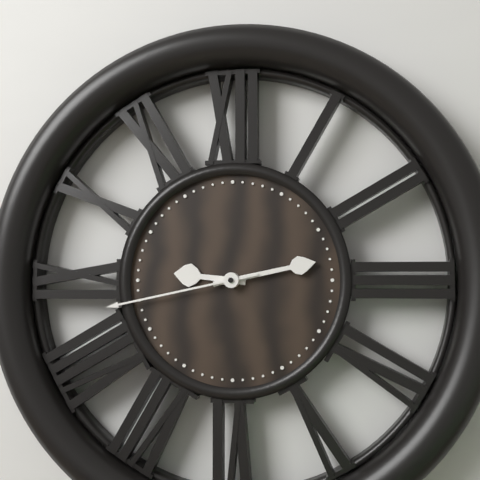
9:13:43
